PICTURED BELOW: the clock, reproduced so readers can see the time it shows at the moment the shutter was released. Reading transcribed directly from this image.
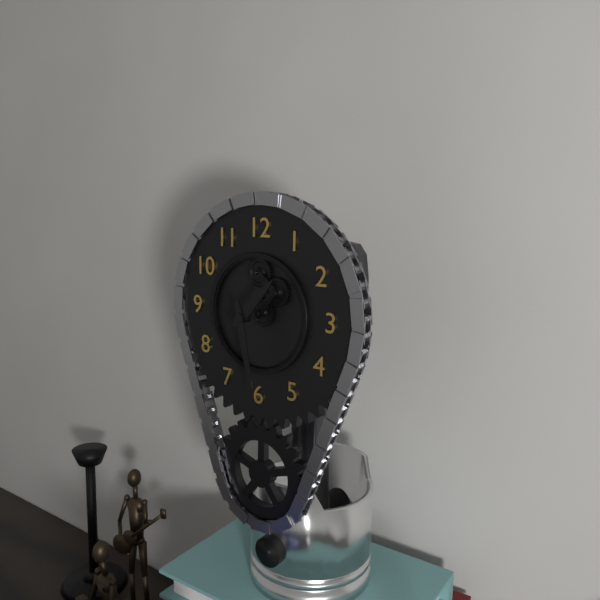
1:28
